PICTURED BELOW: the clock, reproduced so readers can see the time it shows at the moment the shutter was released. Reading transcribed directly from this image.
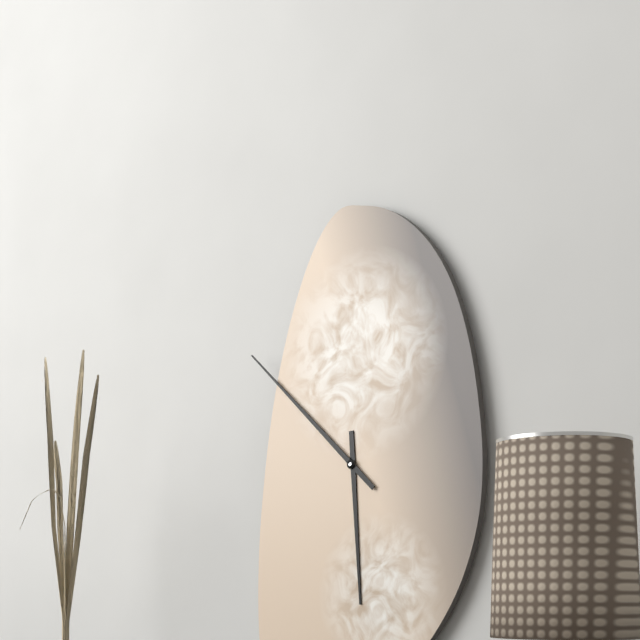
5:52
